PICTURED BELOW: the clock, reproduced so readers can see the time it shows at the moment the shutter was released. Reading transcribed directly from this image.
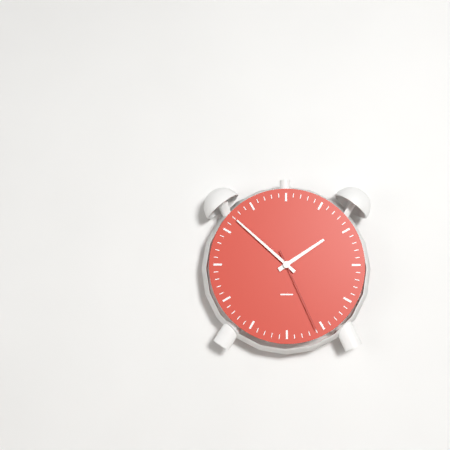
1:52:26
